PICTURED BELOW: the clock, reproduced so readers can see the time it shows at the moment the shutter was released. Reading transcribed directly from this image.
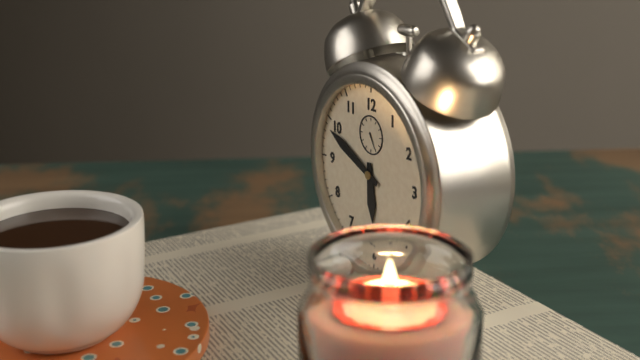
5:49
